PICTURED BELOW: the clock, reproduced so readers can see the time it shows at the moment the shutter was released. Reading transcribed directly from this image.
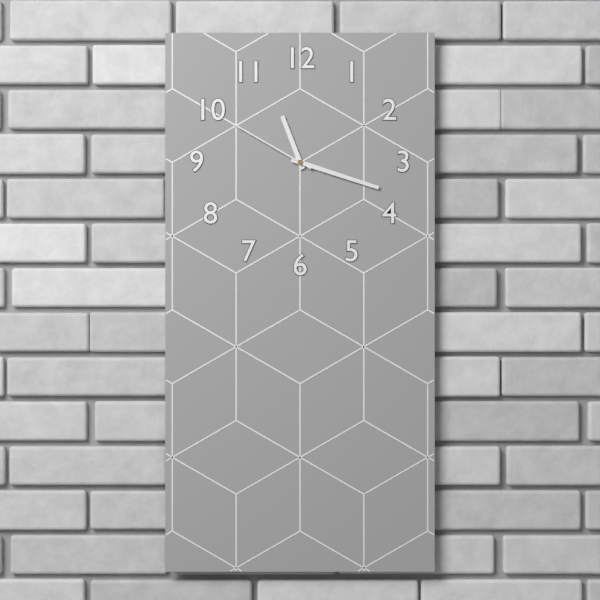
11:18:50
